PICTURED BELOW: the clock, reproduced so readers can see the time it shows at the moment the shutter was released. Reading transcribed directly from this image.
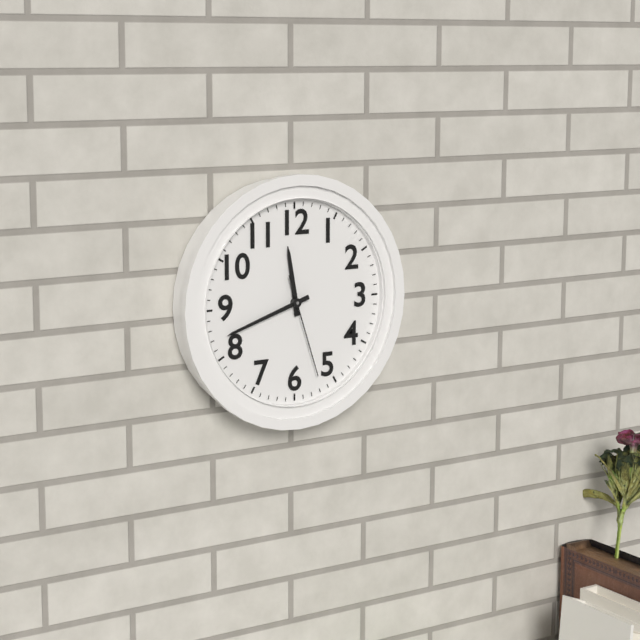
11:42:27
